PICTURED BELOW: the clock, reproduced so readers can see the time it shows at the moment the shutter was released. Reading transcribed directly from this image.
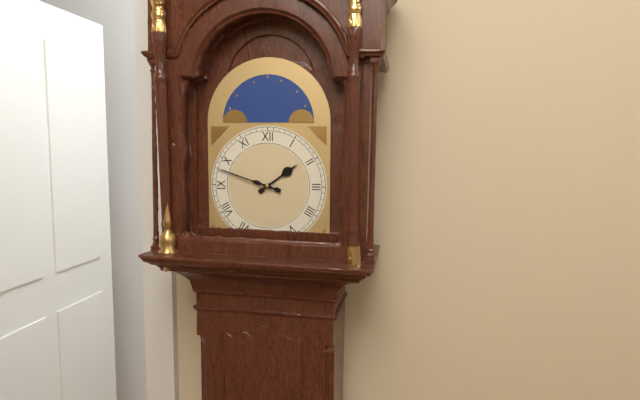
1:48
